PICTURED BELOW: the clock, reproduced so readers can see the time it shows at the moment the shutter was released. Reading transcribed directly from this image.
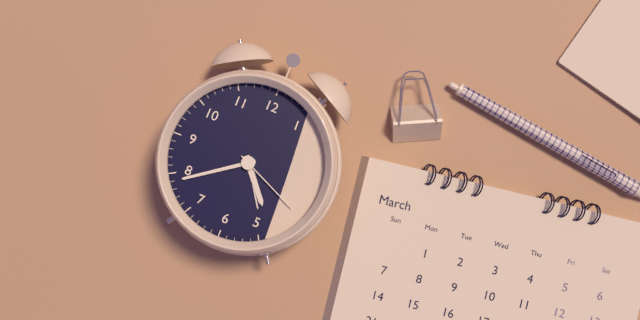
4:39:19
